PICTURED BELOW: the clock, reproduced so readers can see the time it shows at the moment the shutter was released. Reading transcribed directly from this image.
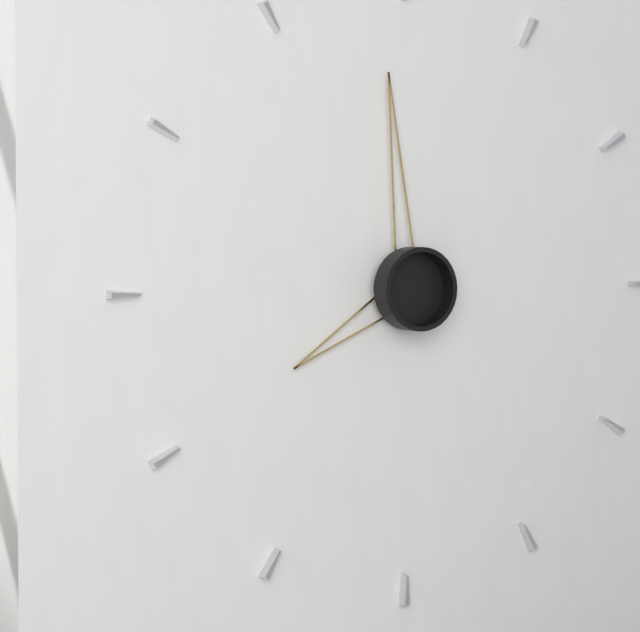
7:59
